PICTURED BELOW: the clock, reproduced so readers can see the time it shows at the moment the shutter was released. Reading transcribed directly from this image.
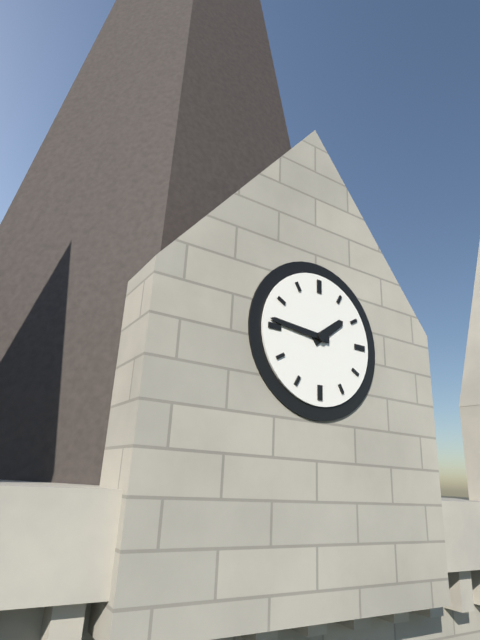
1:46
